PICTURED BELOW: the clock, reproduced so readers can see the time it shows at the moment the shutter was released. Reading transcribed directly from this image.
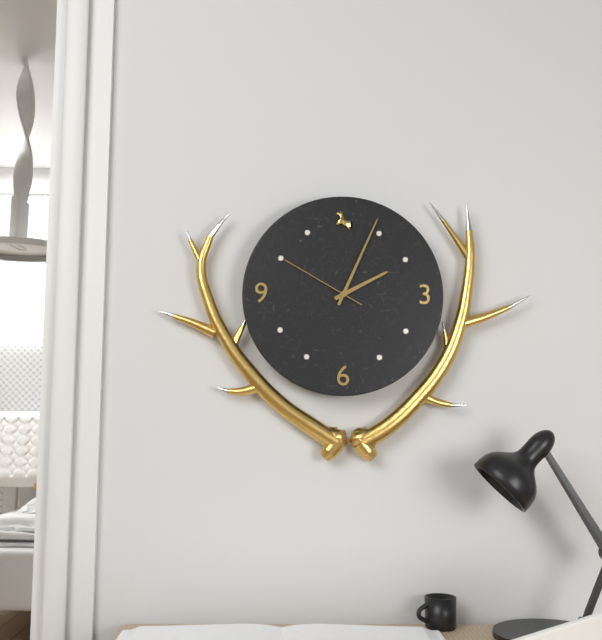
2:04:50
